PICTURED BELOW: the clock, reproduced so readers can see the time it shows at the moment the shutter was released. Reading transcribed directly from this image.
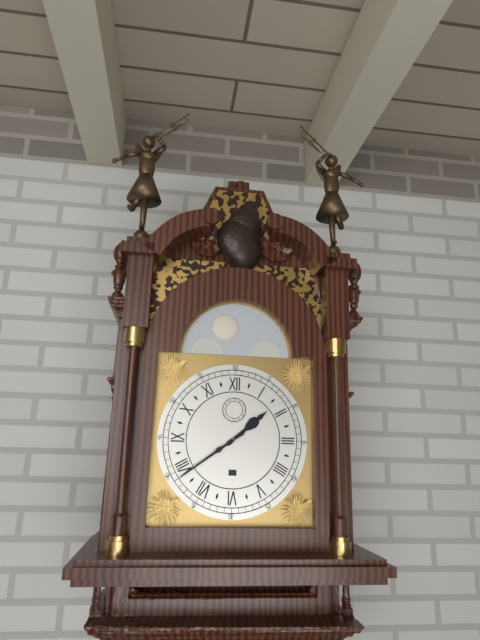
1:39
